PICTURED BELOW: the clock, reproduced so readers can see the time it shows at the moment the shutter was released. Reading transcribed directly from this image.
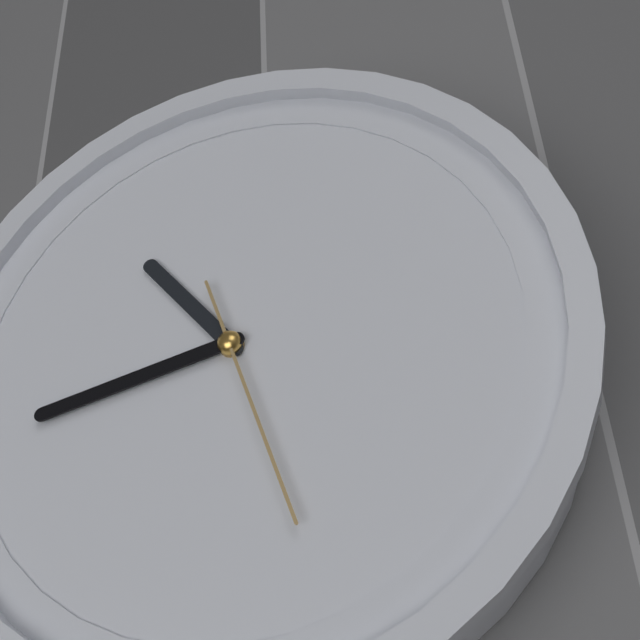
10:43:27
